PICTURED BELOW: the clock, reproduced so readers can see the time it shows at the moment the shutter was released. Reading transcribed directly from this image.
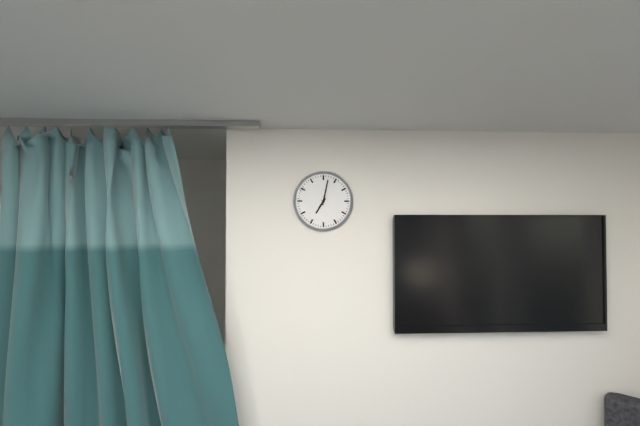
7:02
